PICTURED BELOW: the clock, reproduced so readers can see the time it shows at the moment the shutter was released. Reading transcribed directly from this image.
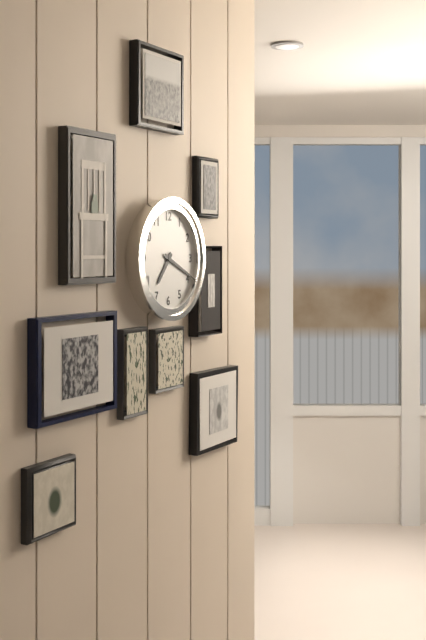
7:19
